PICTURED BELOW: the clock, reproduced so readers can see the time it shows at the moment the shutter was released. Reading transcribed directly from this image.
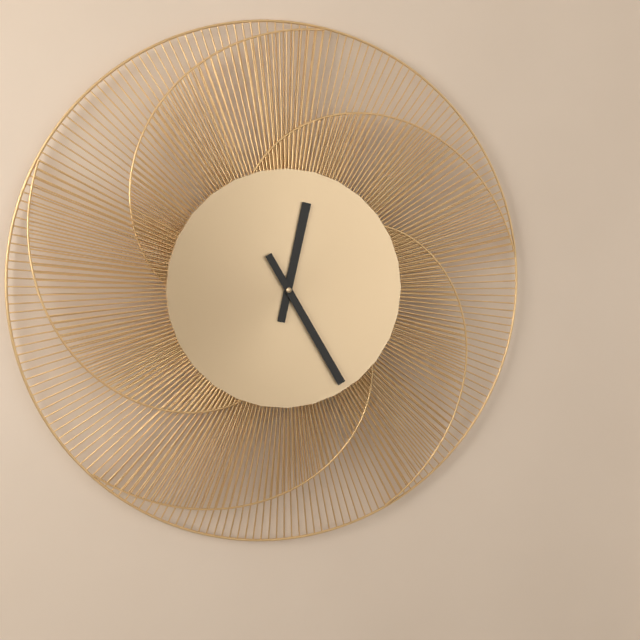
12:25
